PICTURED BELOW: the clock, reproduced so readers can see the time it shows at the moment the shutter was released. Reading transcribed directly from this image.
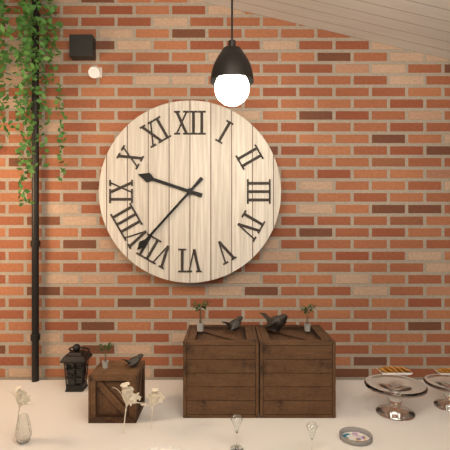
9:37
